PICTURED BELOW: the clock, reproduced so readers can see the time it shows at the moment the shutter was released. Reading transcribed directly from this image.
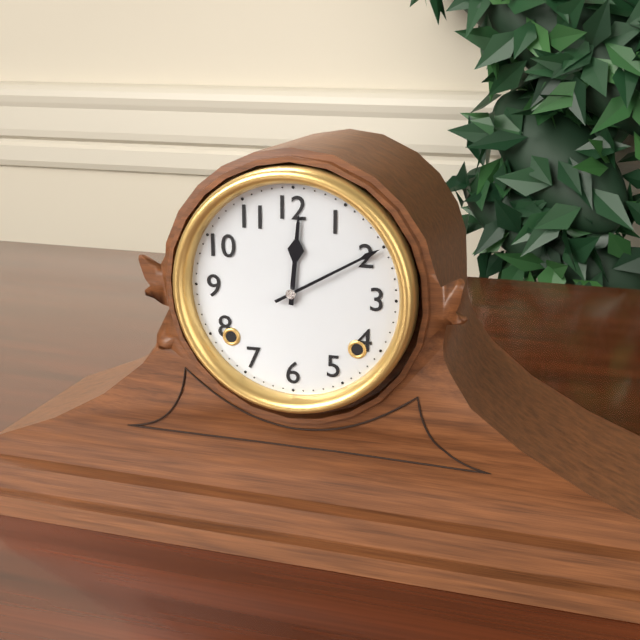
12:10
